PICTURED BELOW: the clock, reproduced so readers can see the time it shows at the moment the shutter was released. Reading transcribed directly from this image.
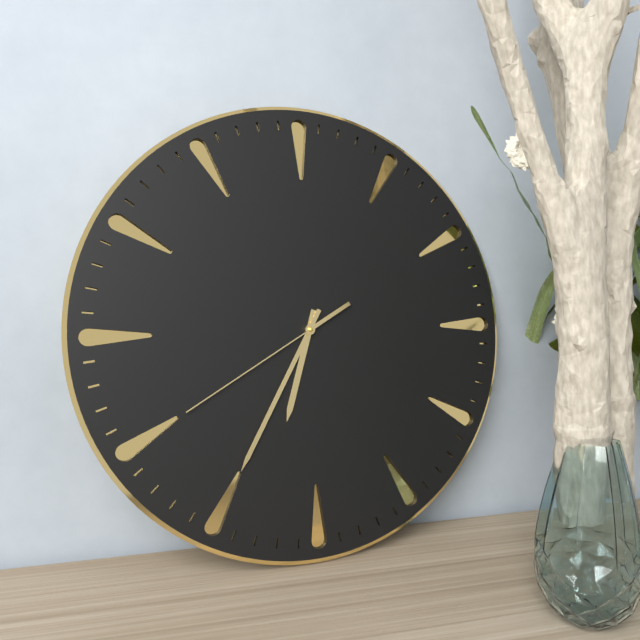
6:35:40
